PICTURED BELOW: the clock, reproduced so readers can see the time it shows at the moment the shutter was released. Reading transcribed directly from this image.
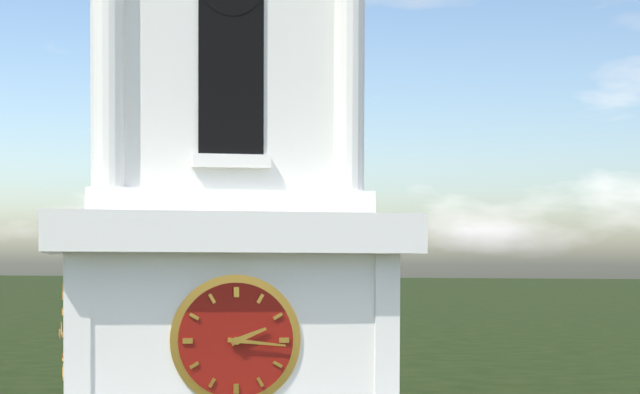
2:16
